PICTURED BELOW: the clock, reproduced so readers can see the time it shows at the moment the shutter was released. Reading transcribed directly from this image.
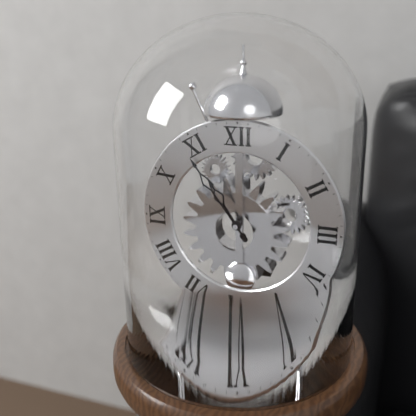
10:54
